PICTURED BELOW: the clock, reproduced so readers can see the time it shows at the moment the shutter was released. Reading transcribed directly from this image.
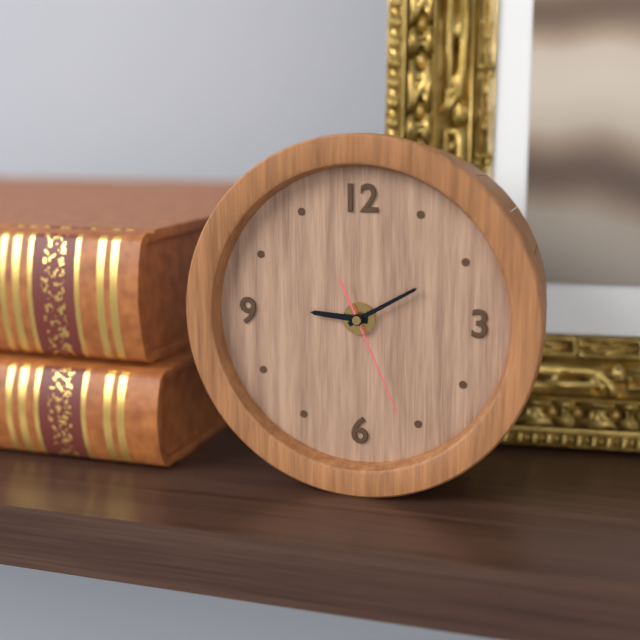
9:10:26
